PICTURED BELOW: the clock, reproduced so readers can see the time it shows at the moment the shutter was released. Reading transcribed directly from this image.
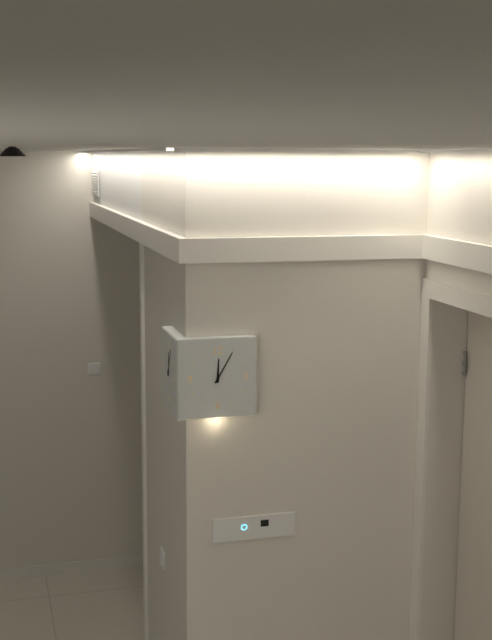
12:05
